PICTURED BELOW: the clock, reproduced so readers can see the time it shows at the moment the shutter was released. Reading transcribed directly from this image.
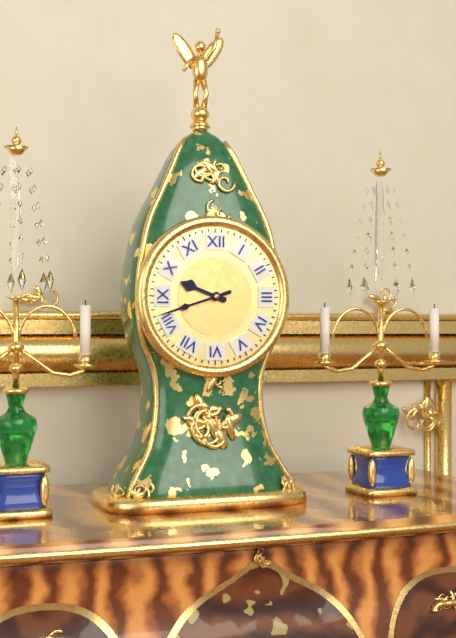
9:42
